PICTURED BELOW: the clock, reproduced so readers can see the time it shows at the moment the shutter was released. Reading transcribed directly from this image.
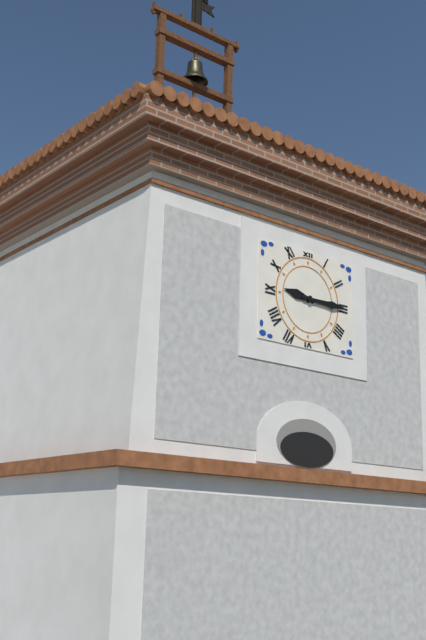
9:15
